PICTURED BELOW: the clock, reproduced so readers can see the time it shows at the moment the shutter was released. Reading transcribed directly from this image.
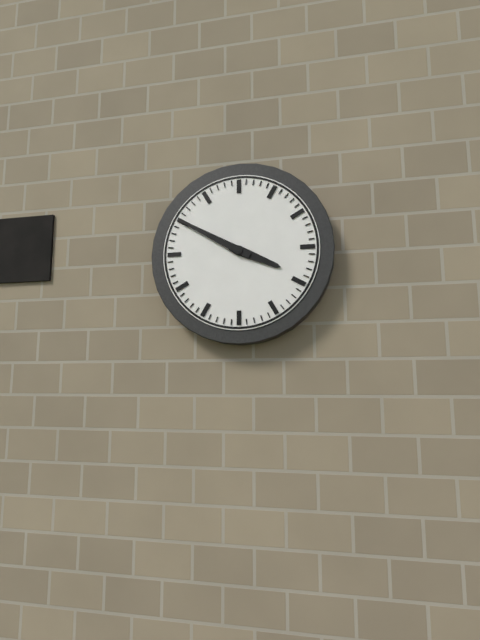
3:50
